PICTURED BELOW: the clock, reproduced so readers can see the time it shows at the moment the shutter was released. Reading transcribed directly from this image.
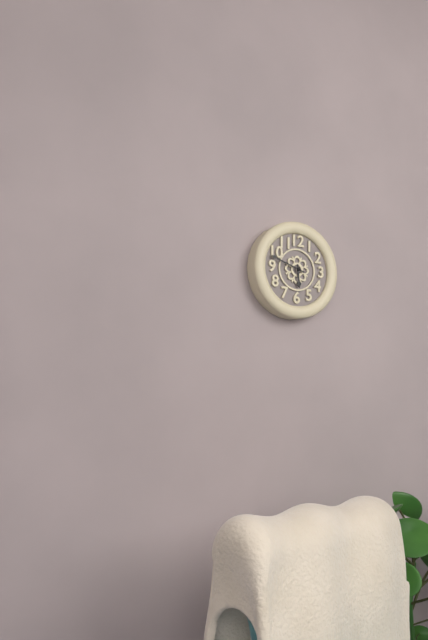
5:48
